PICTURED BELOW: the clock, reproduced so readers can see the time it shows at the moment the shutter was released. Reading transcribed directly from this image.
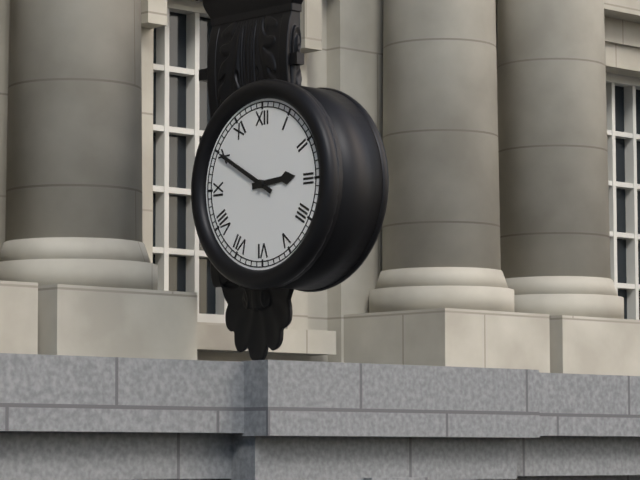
2:50
